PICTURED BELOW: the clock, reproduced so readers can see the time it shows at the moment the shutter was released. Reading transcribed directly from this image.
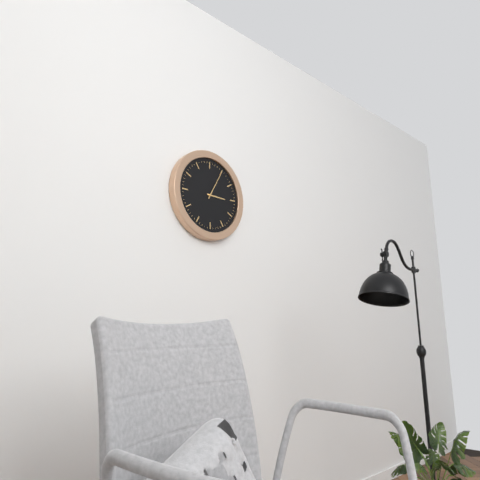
3:05
